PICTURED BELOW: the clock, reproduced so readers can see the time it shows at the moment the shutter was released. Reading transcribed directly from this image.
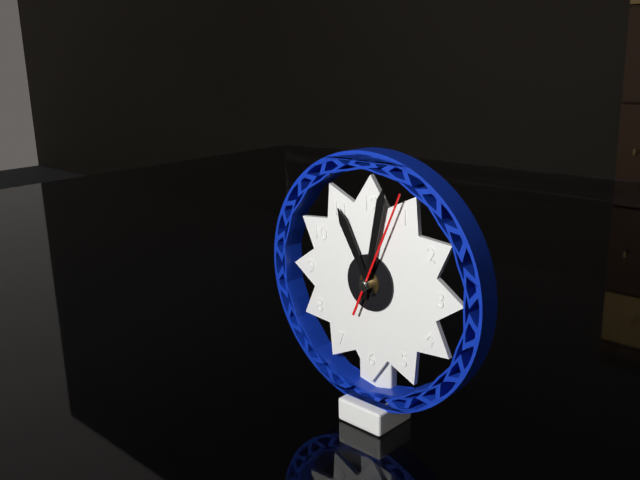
11:02:04
